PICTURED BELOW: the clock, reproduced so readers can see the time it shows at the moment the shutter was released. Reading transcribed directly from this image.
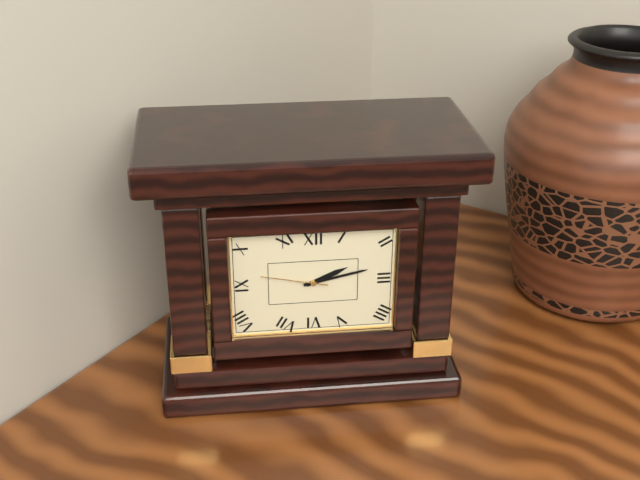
2:13:47
